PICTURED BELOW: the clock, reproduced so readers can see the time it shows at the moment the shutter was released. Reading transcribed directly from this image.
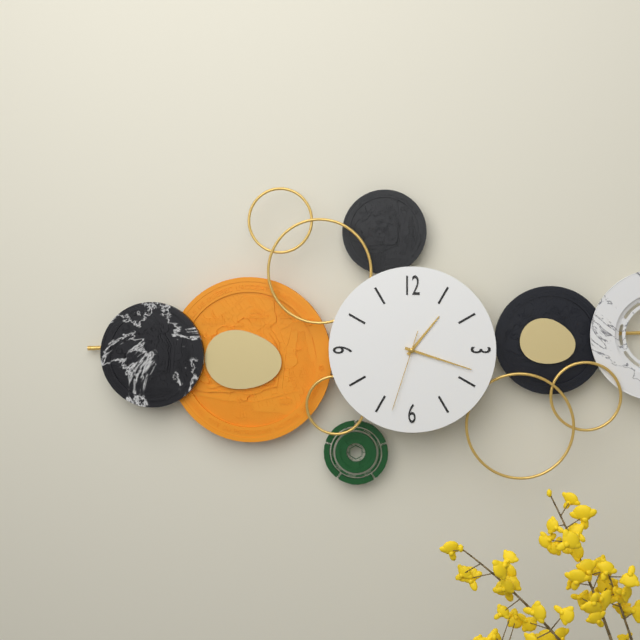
1:18:33
